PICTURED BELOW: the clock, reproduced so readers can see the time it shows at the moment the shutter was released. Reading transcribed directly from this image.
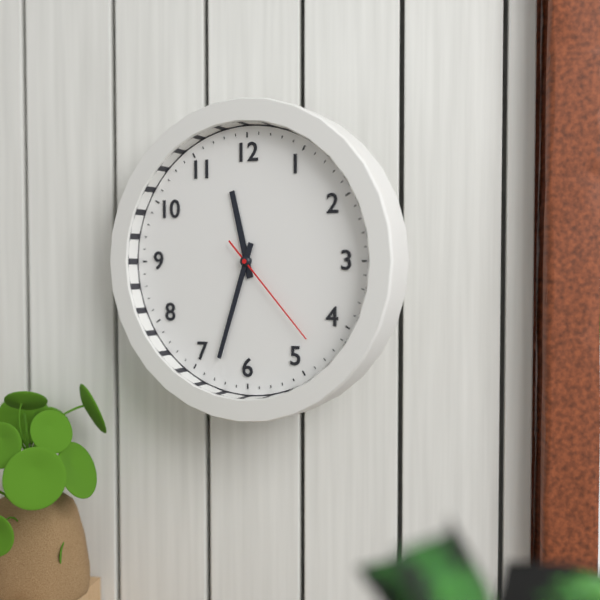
11:33:23
